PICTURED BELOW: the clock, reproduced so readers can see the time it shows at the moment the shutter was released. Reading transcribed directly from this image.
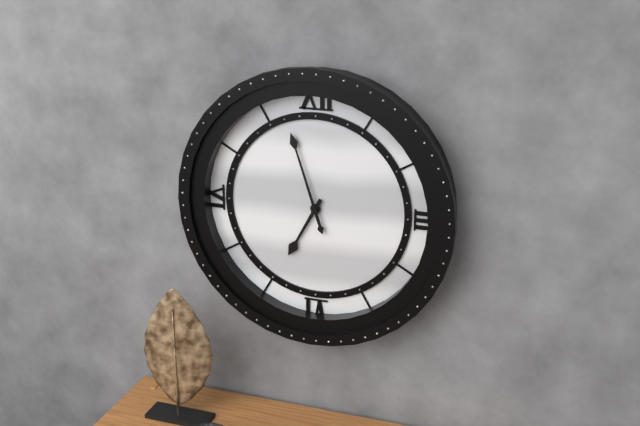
6:57
